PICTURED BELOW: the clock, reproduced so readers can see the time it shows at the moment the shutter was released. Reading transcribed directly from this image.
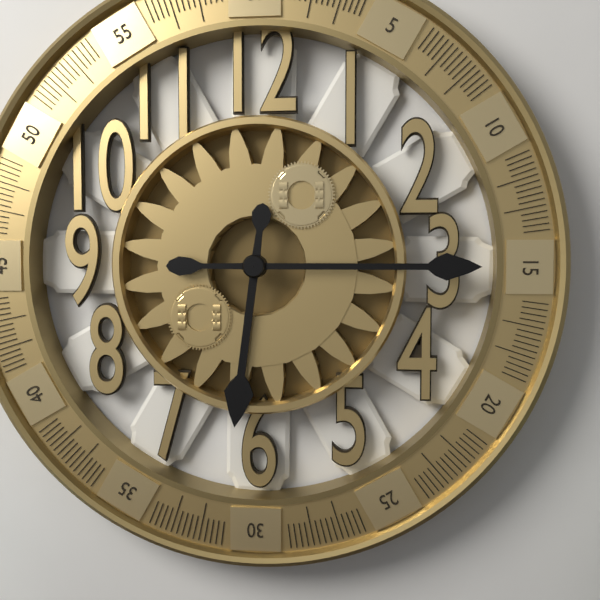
6:15
